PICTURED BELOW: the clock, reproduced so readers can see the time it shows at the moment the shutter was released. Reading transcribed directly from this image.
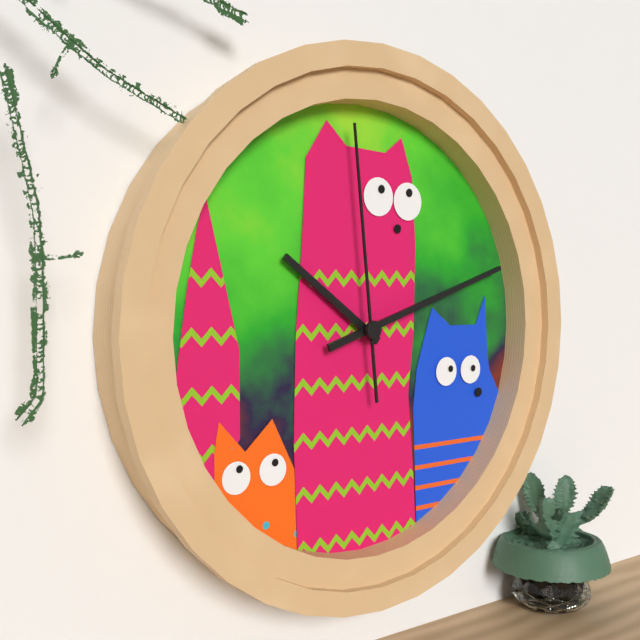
10:12:59
